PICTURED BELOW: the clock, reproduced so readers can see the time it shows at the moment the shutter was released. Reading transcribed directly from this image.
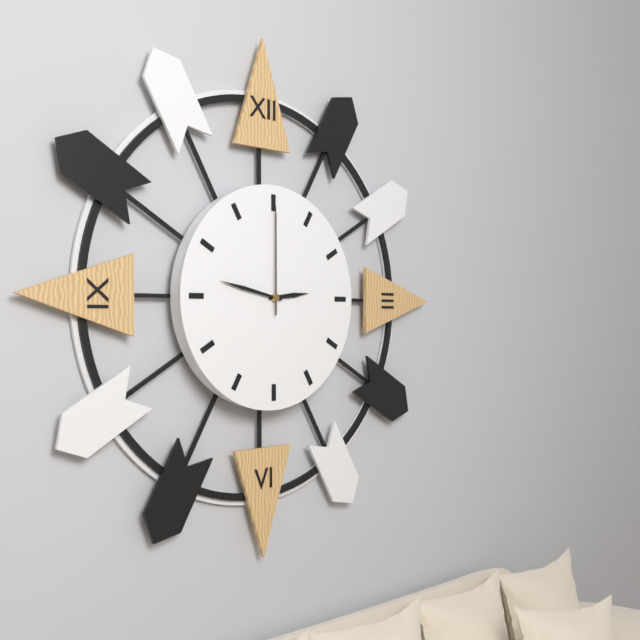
2:47:00
